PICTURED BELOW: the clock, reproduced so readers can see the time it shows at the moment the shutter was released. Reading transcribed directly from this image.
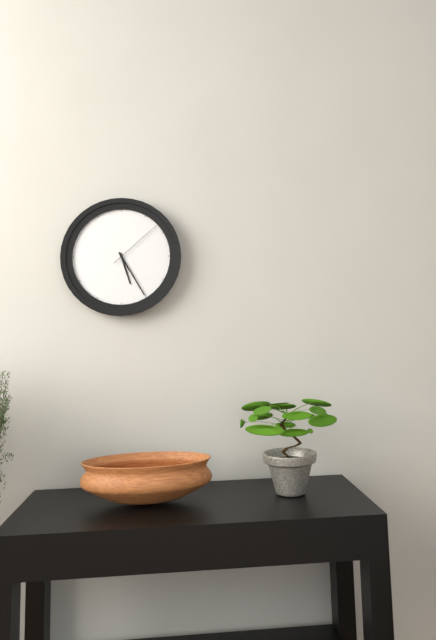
5:25:08
